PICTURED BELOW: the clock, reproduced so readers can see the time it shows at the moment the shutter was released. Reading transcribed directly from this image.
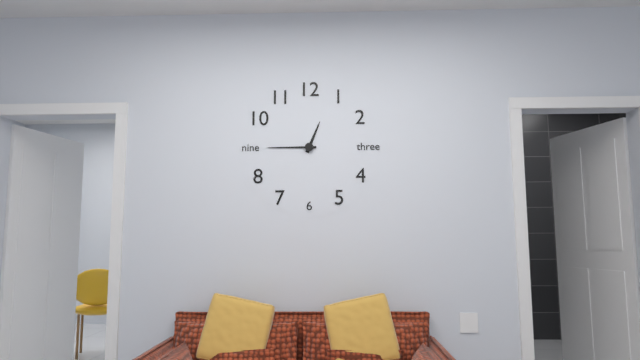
12:45
